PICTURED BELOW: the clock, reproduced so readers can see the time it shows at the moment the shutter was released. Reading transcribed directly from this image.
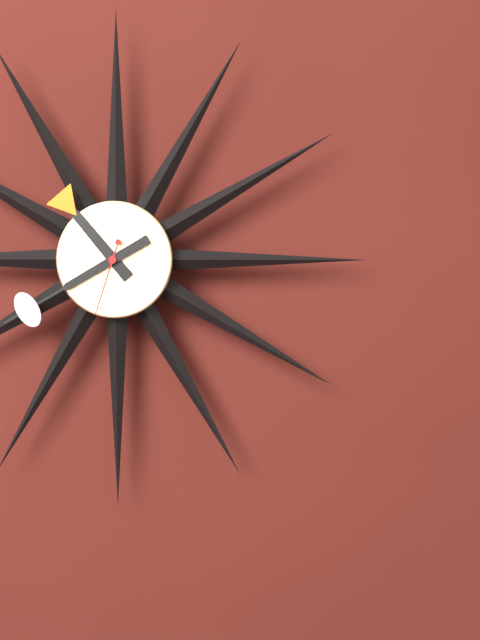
10:40:33
